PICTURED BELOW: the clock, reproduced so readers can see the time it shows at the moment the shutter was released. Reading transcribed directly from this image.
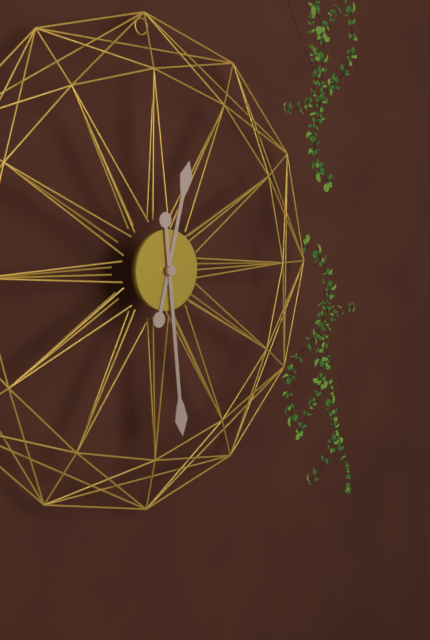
12:29
